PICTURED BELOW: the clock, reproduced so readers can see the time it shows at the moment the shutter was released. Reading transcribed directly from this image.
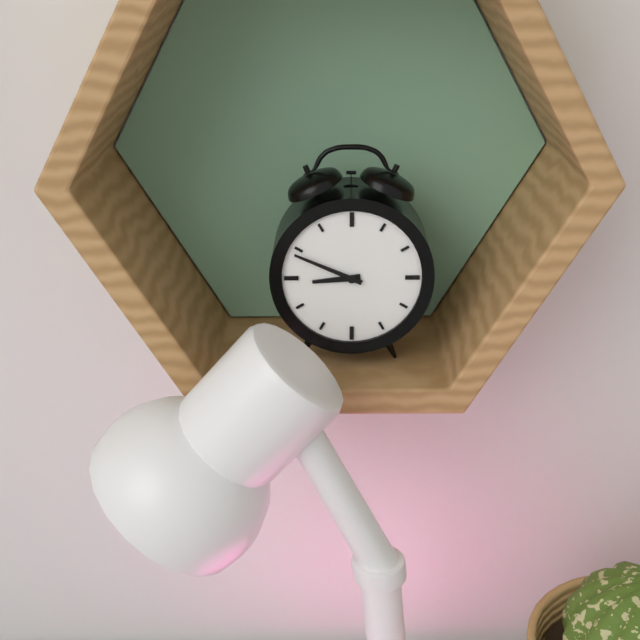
8:49
